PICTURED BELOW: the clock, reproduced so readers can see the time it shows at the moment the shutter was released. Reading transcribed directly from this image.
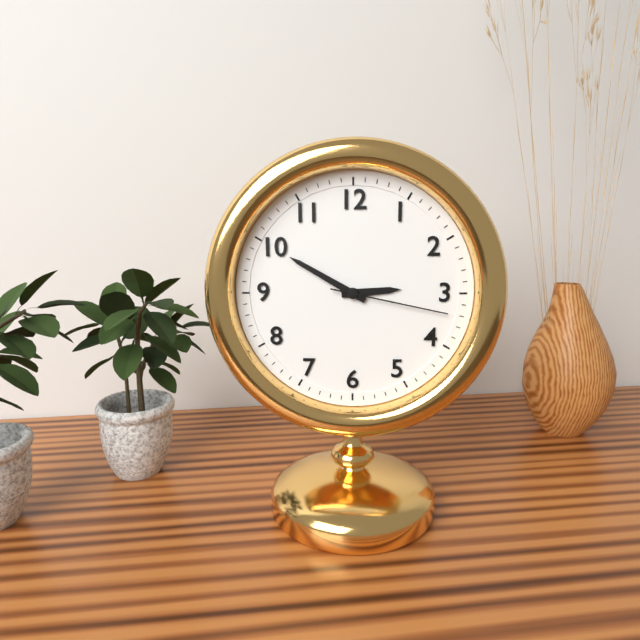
2:50:17
